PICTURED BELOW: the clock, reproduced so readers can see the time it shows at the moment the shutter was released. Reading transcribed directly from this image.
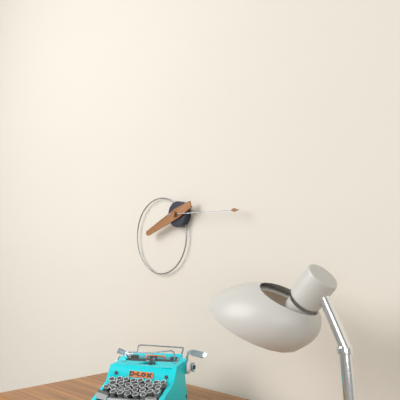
8:15
